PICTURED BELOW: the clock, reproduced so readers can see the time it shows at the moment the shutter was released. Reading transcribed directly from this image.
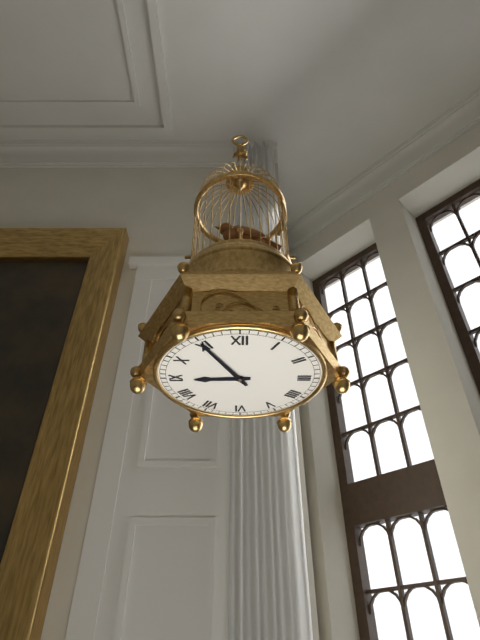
8:55
